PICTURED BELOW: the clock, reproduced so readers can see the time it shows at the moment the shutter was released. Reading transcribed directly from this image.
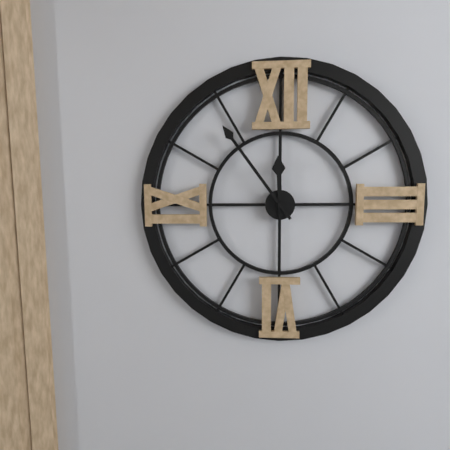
11:54
